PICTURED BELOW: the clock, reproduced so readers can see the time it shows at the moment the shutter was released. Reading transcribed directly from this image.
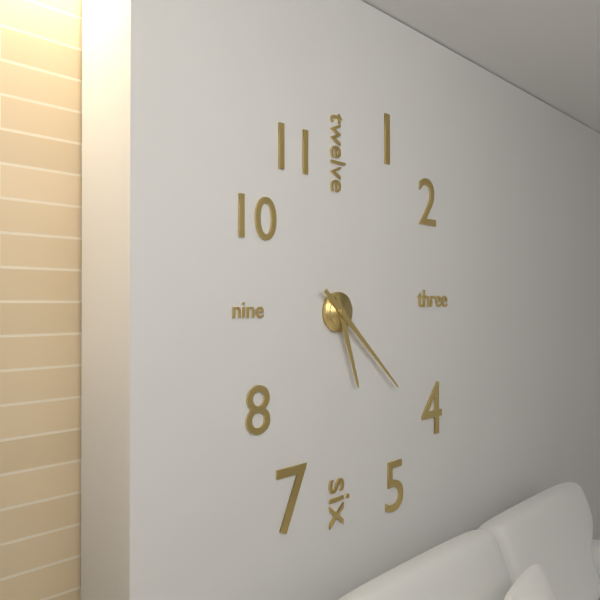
5:22
